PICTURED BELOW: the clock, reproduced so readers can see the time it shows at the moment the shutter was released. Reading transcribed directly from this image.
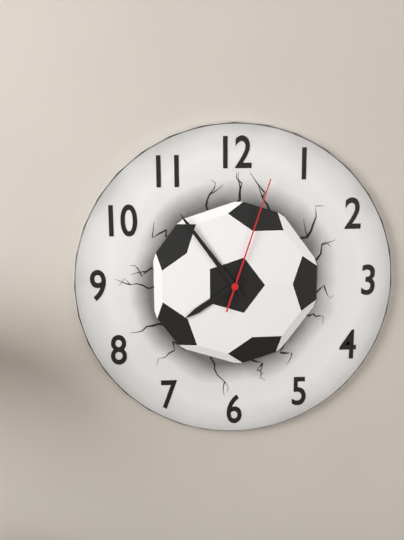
7:54:03
